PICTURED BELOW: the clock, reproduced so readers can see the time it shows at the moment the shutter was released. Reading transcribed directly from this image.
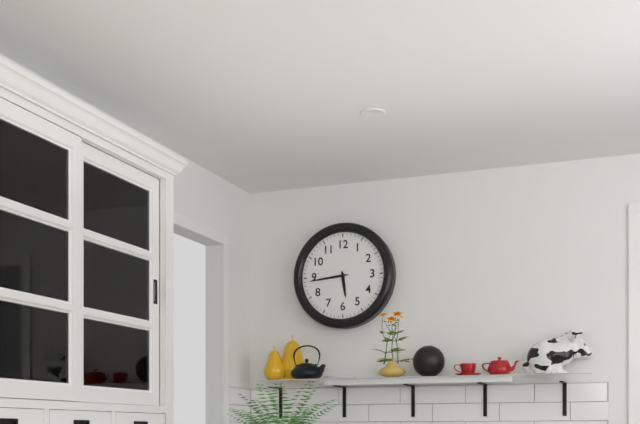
5:44
